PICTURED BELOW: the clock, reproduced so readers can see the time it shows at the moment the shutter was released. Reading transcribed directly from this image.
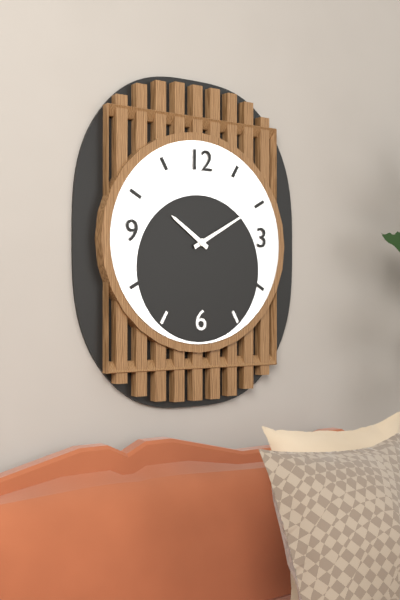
10:10
